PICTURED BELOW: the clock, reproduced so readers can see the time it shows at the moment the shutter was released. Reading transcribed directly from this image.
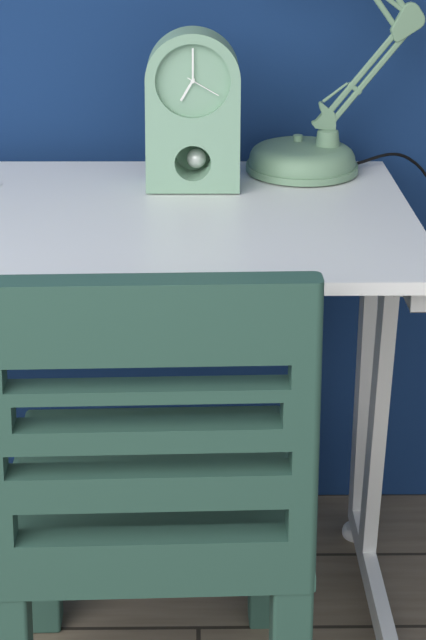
7:00
